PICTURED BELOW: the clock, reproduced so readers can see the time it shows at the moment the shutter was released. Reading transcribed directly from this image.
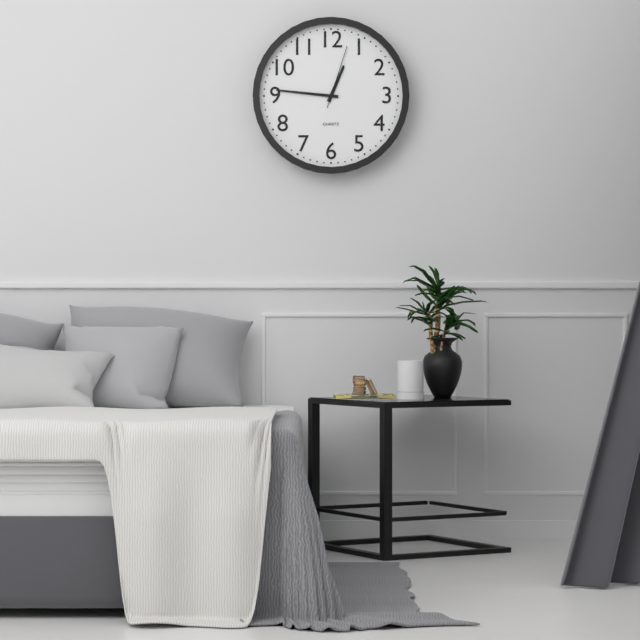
12:46:03
